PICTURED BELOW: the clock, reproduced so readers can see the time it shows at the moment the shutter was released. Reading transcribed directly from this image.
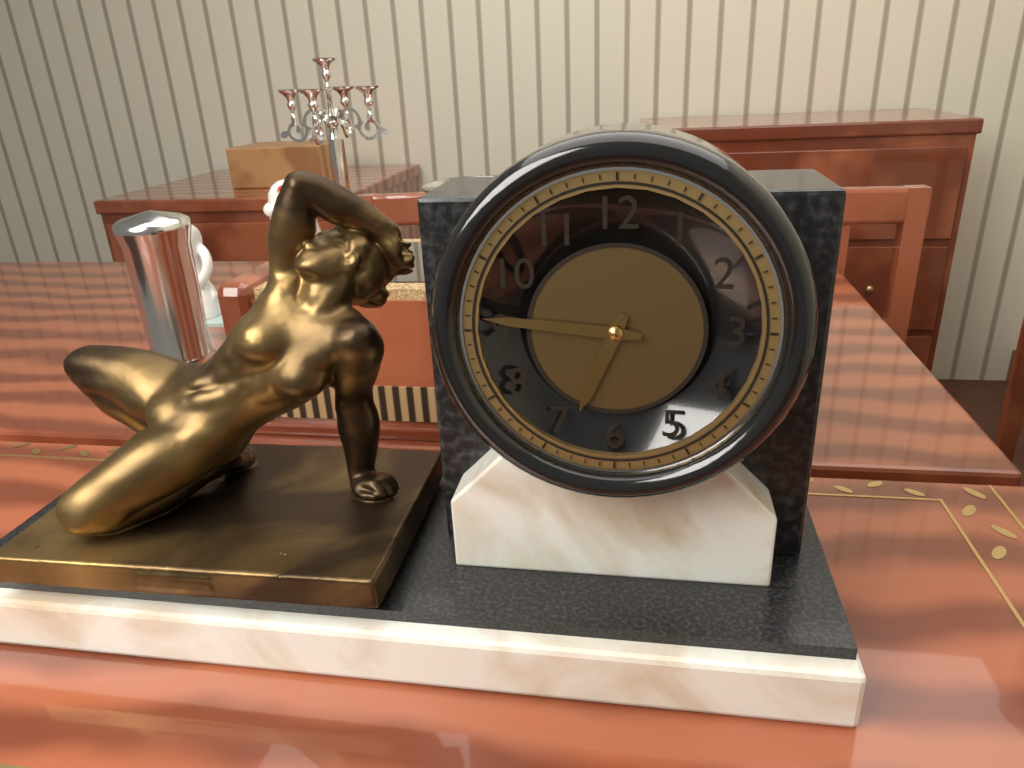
6:46
